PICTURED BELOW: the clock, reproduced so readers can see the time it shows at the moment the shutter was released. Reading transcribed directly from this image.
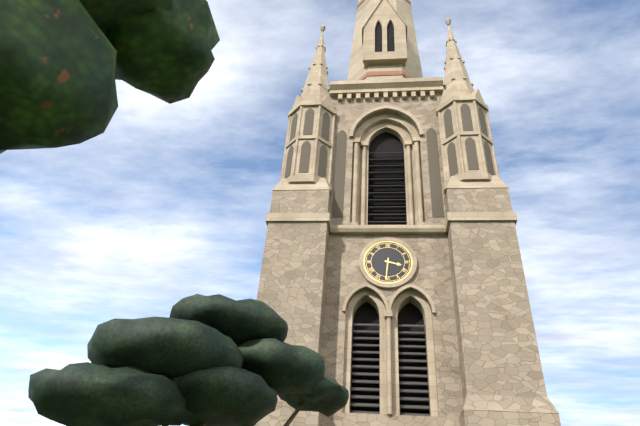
3:31
